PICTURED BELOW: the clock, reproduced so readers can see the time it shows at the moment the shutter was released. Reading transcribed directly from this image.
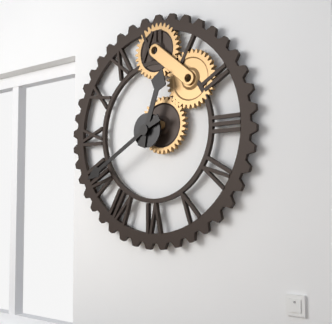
12:40
